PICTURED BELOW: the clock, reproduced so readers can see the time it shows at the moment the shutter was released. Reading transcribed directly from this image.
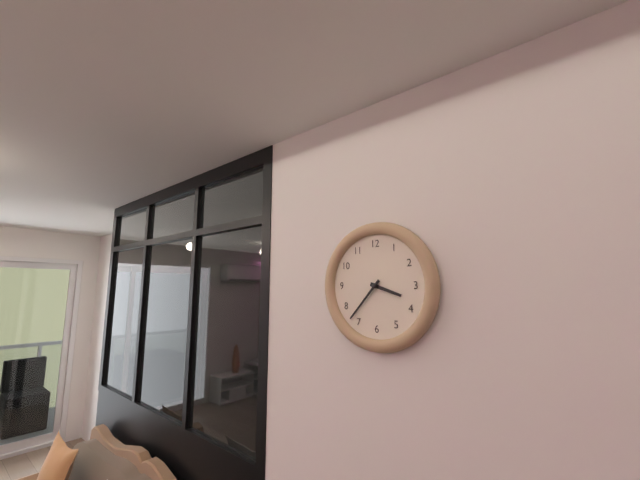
3:37
